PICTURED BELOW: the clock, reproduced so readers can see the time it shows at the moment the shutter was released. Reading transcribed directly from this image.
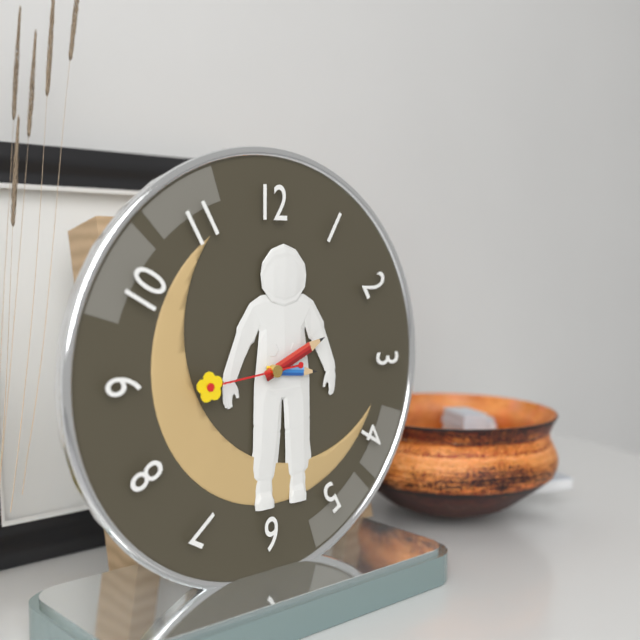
3:11:44
